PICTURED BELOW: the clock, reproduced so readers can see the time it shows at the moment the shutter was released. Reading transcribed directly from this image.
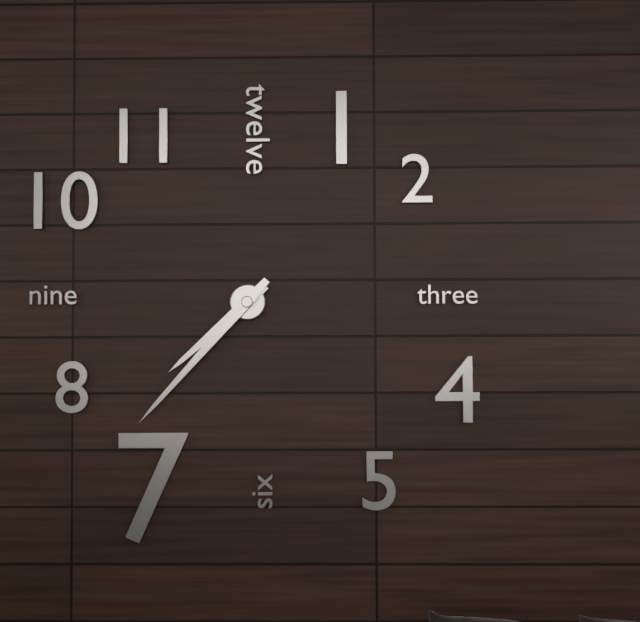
7:37
